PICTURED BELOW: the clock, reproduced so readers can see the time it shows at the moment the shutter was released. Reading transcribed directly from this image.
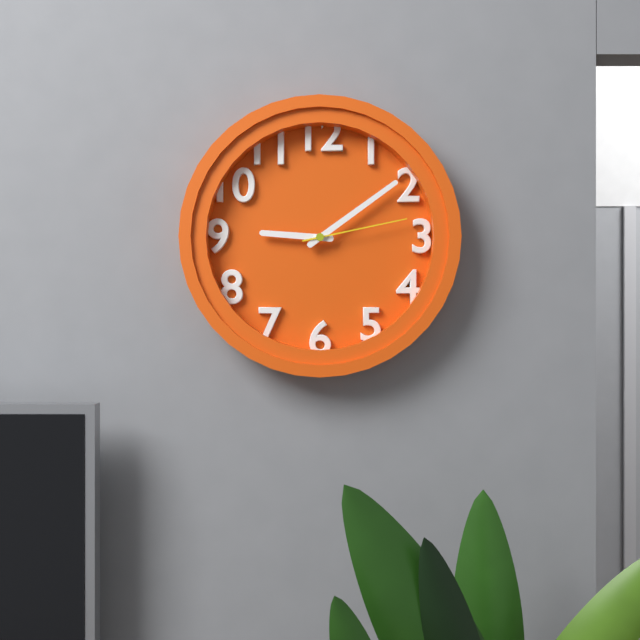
9:09:13
